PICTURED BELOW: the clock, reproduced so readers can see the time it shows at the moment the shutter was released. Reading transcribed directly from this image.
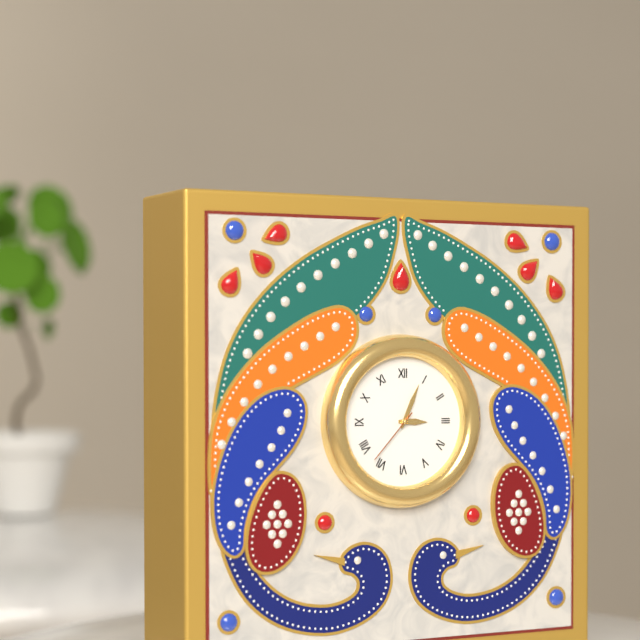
3:04:37
